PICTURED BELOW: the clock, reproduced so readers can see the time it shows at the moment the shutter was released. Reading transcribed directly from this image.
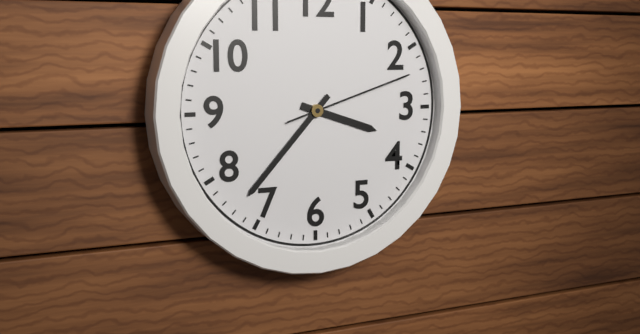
3:37:12
